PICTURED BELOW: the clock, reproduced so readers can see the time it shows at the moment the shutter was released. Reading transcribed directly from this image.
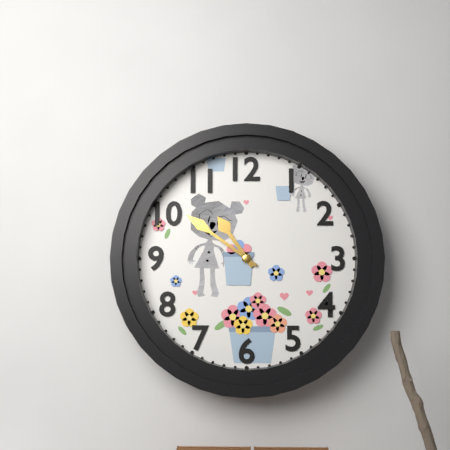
10:51
